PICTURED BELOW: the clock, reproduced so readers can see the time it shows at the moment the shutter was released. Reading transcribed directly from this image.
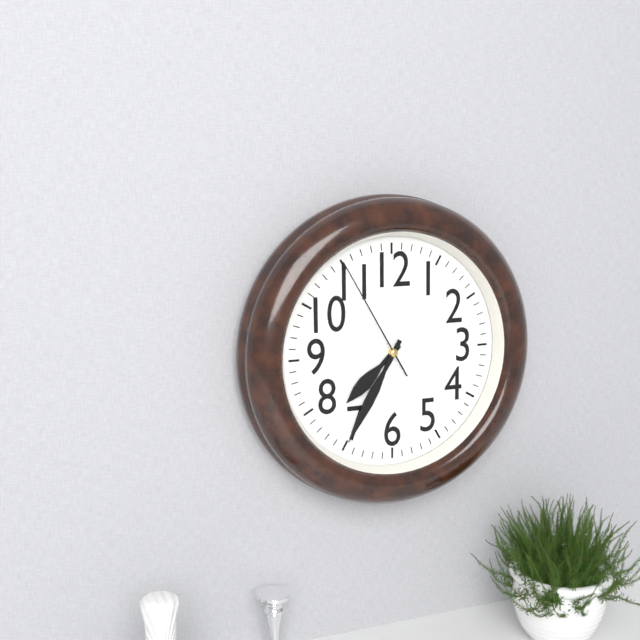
7:35:55
